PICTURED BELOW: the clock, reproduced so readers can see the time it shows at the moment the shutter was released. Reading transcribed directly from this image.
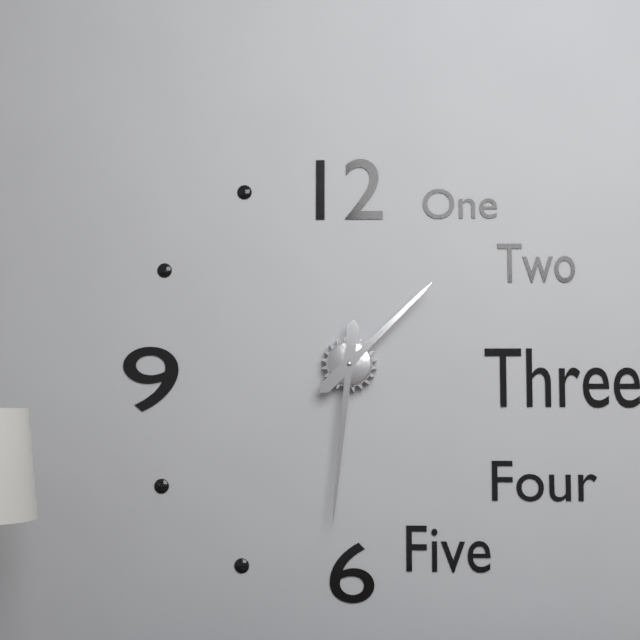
1:31
